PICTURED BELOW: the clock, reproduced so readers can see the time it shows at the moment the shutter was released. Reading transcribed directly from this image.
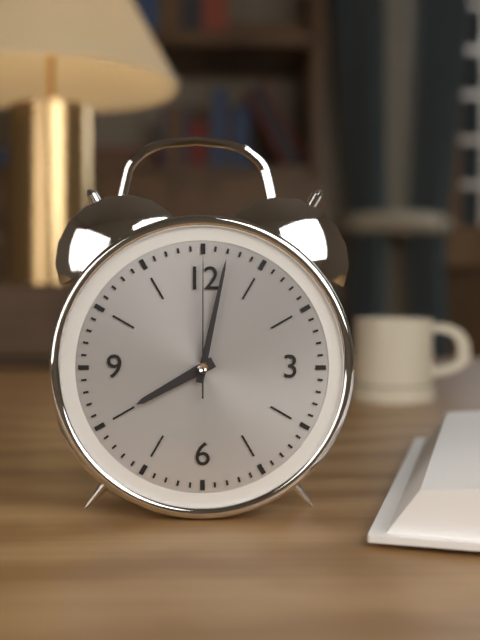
8:02:00
